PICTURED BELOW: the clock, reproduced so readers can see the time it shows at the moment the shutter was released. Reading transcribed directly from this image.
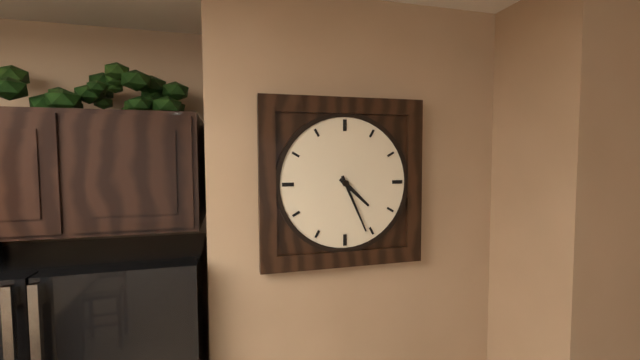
4:26
